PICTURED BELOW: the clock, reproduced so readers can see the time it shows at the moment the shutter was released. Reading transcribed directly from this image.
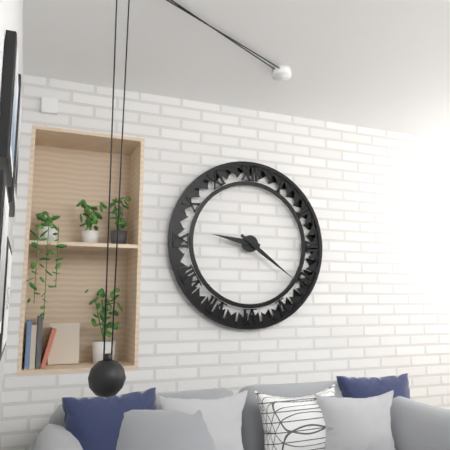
9:21
